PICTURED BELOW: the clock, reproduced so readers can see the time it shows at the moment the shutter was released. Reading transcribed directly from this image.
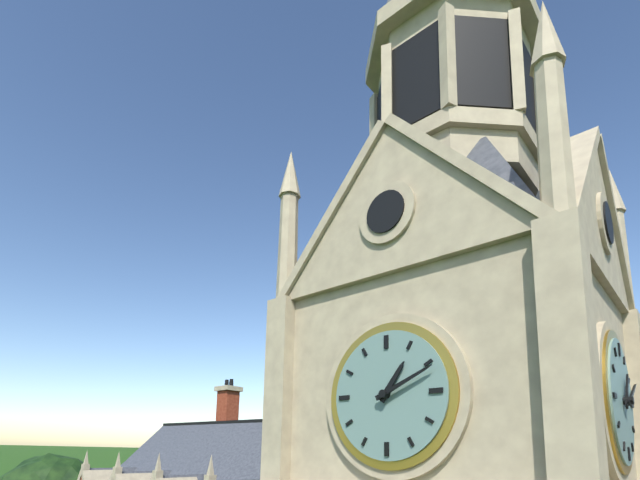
1:11
